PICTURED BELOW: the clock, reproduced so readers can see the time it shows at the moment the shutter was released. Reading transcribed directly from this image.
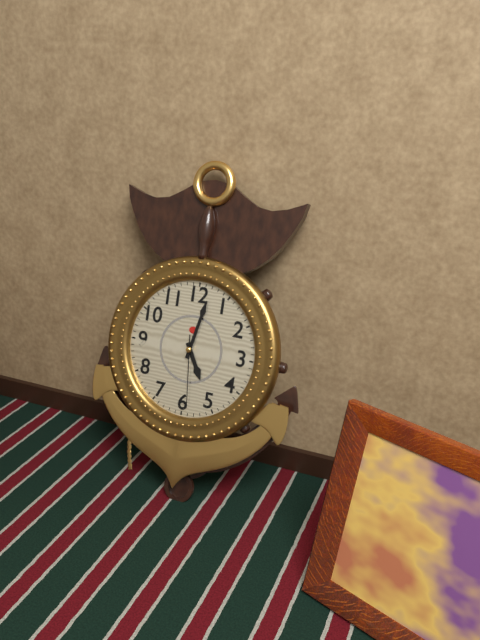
5:02:29
